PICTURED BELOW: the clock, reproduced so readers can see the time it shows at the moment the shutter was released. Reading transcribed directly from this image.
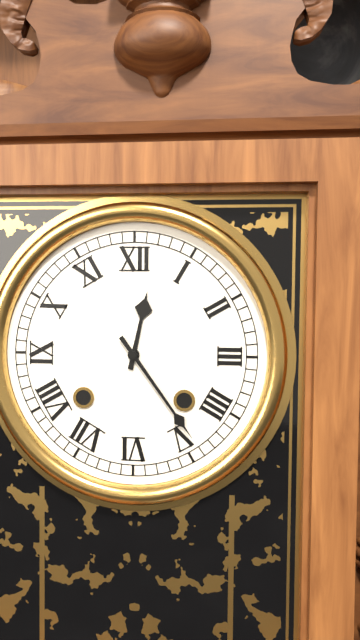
12:24
